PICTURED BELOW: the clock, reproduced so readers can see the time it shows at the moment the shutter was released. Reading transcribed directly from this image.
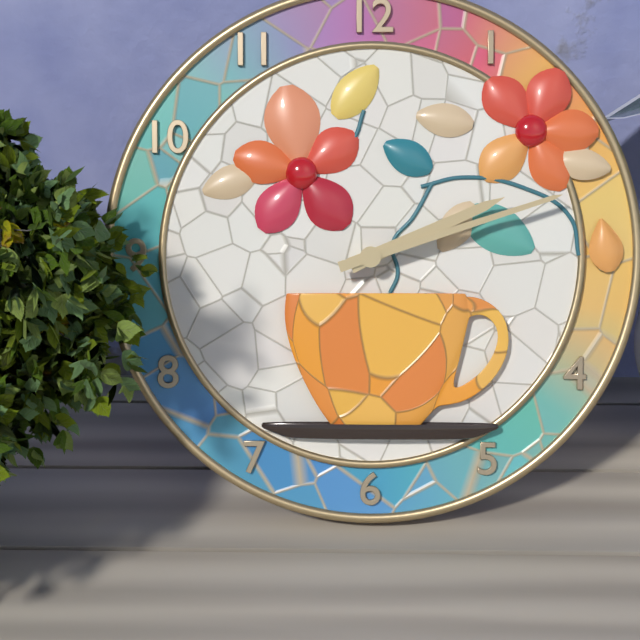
2:12
